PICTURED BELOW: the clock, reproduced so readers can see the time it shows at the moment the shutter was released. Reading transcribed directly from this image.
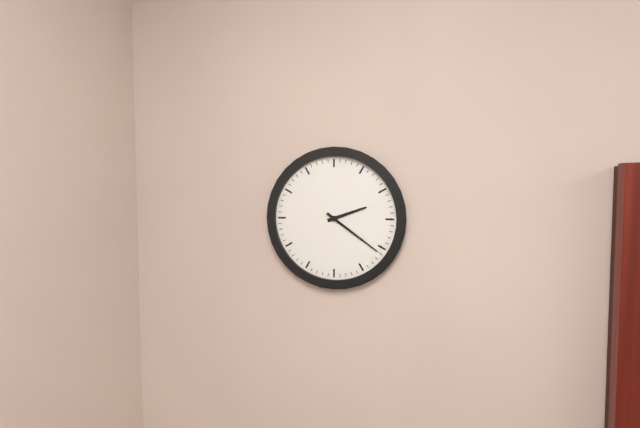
2:21
